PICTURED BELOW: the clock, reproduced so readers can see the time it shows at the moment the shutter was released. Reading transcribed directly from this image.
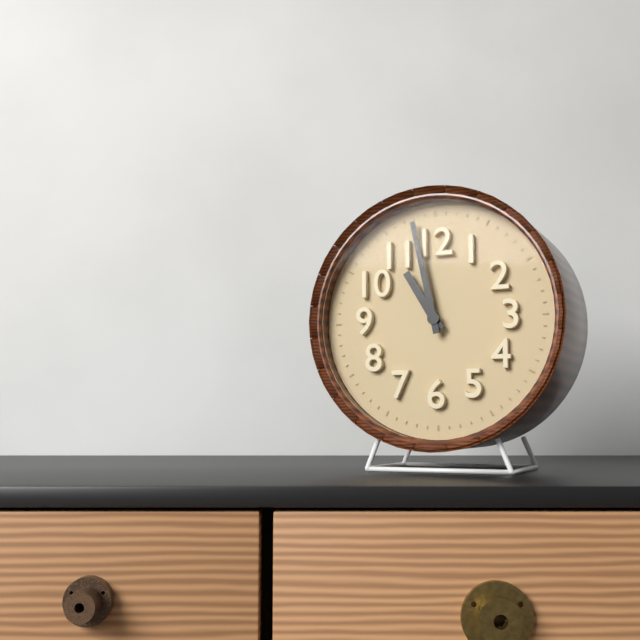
10:58
